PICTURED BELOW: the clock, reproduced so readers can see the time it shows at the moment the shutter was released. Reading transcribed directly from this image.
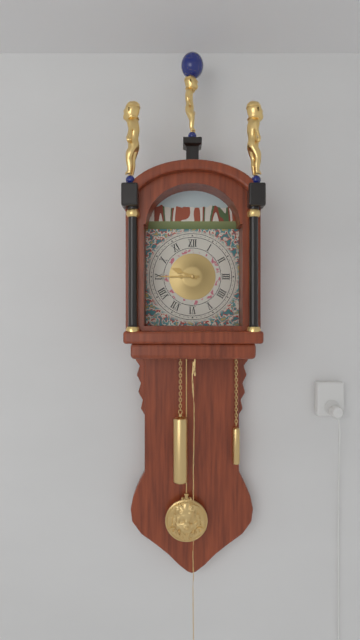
9:45
